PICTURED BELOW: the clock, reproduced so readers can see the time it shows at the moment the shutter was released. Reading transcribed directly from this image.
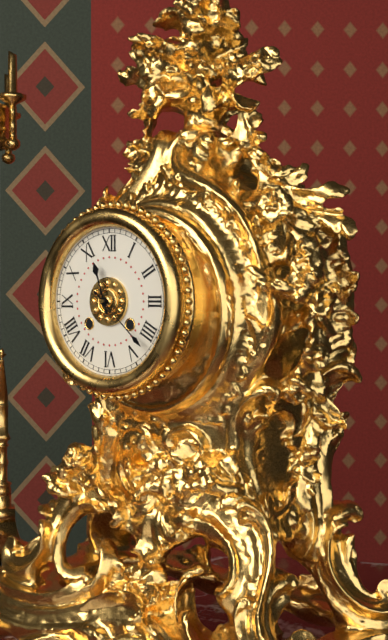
11:22
